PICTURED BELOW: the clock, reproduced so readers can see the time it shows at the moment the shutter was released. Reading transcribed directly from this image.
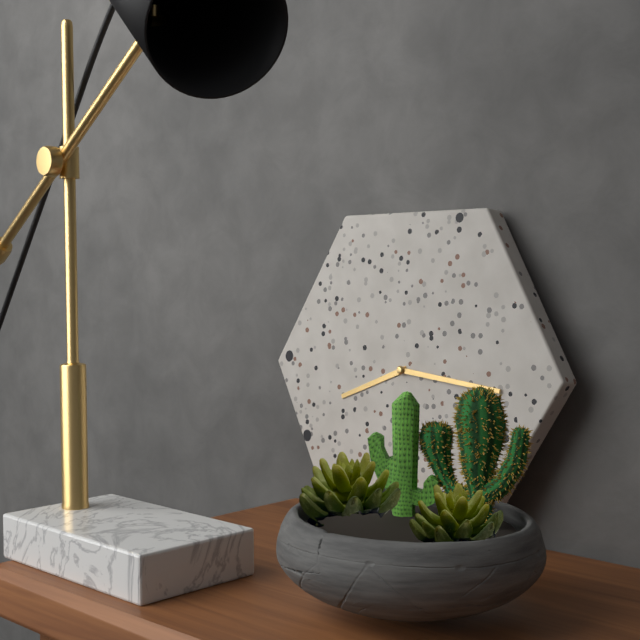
8:16
